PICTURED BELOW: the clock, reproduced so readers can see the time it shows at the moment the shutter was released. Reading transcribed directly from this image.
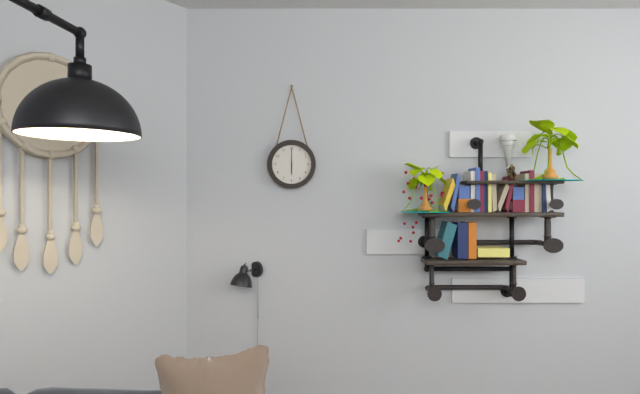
6:00
